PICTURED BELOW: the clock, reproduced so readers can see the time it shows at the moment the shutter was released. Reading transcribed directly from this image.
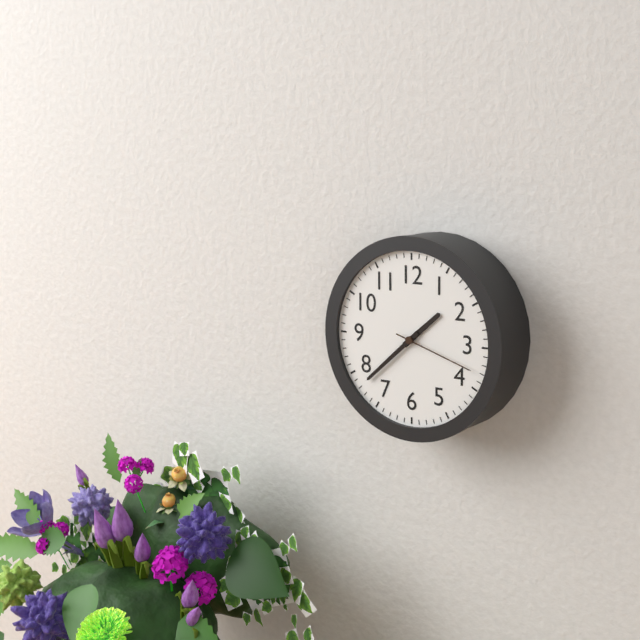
1:38:18
